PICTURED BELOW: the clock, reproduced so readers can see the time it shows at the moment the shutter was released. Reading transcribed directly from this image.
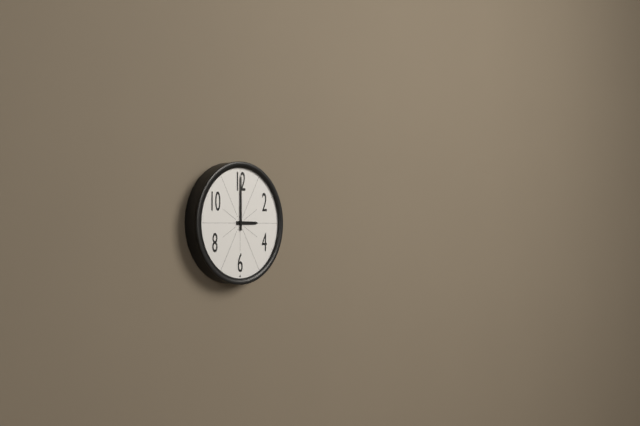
3:00
